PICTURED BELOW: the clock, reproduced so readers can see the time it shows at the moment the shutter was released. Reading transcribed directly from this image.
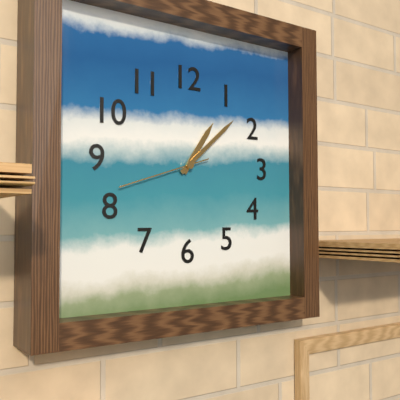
1:08:42
